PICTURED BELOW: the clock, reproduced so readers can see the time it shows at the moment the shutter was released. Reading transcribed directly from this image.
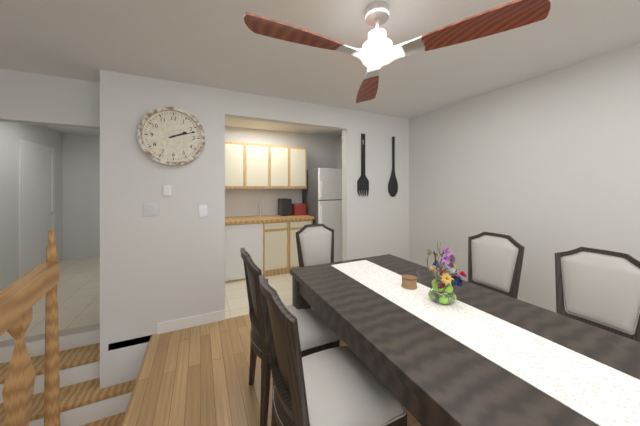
2:12
